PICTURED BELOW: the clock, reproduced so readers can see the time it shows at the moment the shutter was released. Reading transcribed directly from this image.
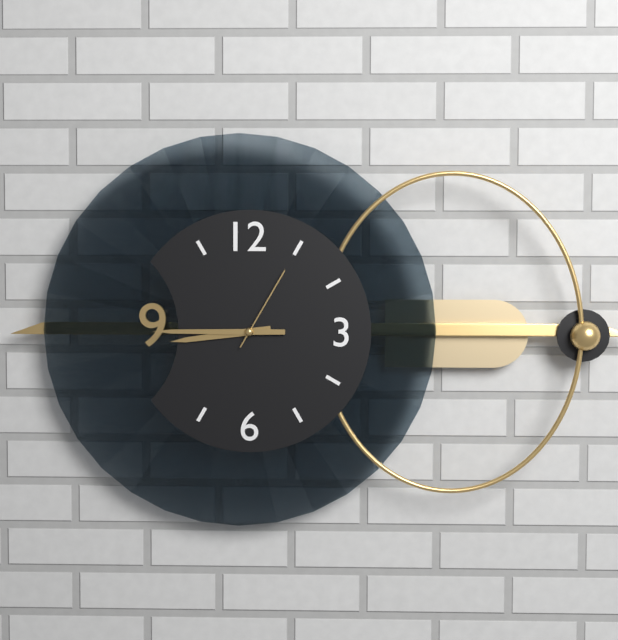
8:45:05
